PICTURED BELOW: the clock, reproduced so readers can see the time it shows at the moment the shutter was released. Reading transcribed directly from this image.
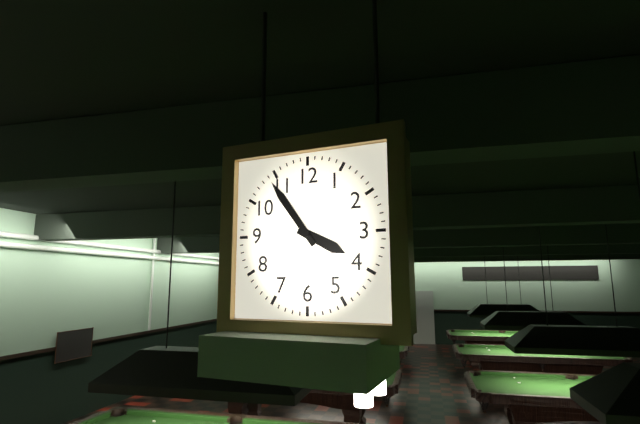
3:54
